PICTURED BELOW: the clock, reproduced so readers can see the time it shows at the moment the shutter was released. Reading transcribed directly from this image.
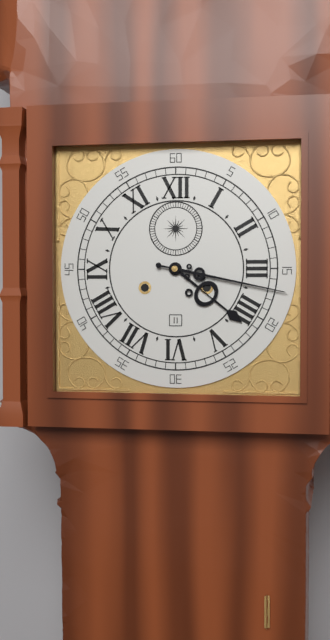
4:17
